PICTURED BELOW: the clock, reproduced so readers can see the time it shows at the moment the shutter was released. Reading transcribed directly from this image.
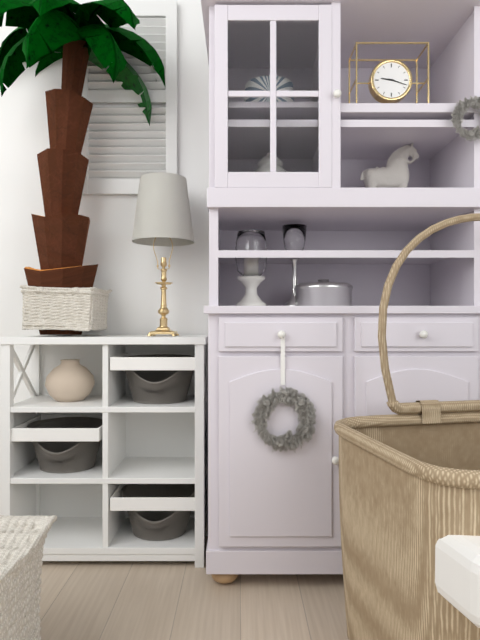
9:18
